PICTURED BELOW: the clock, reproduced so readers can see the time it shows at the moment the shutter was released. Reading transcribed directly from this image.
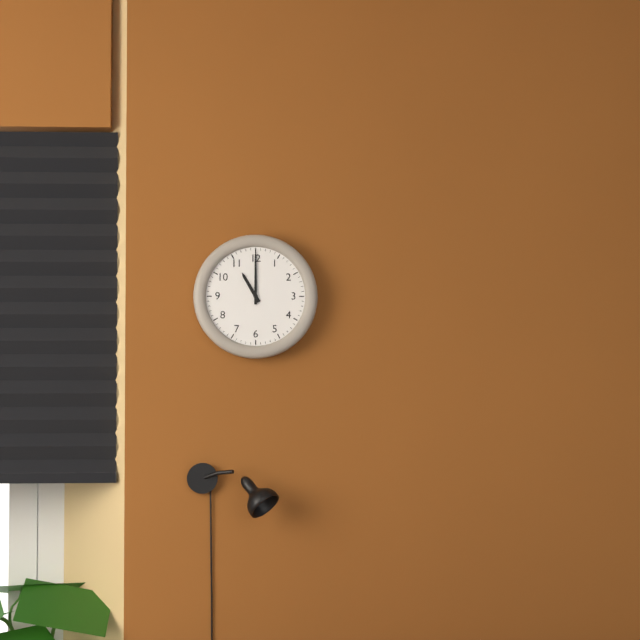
11:00
